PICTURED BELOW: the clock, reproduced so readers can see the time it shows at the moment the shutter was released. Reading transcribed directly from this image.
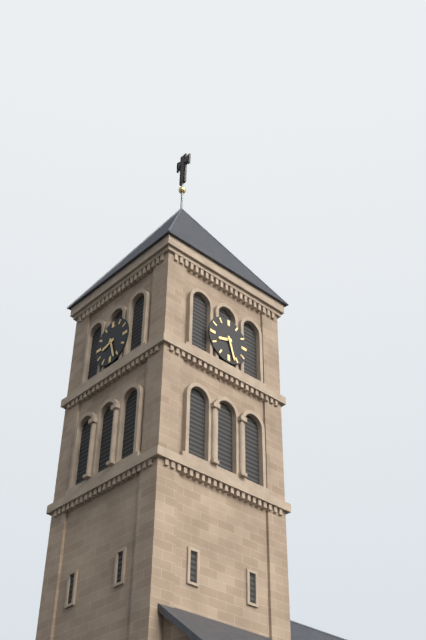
8:27
